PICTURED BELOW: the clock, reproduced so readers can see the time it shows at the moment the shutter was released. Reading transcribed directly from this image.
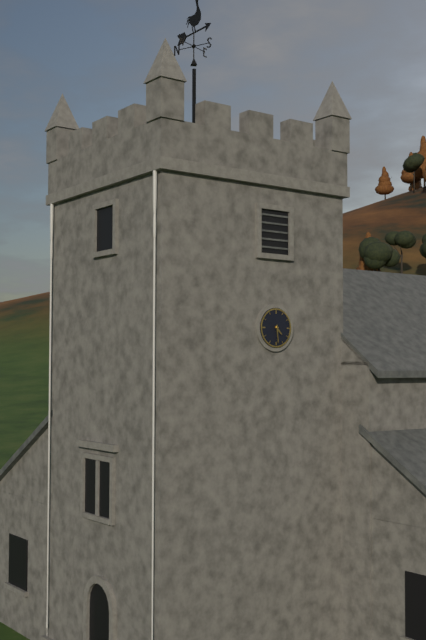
4:29
